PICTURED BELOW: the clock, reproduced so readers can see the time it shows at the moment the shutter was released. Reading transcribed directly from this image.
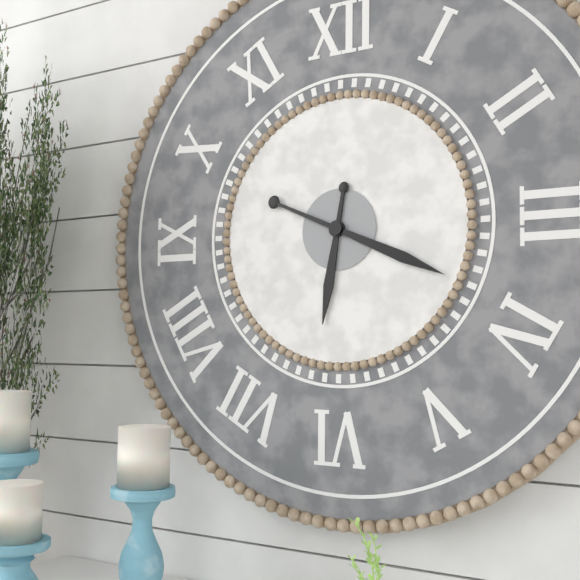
6:19
